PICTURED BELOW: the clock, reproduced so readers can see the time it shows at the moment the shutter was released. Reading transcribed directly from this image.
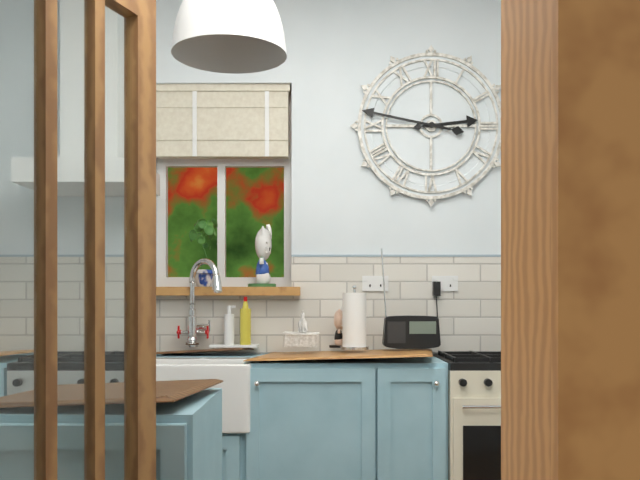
2:47
